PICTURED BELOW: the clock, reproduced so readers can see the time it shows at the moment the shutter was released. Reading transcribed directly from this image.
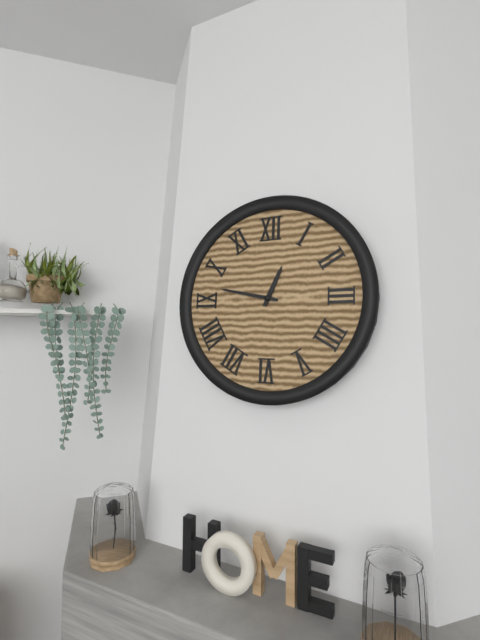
12:47
